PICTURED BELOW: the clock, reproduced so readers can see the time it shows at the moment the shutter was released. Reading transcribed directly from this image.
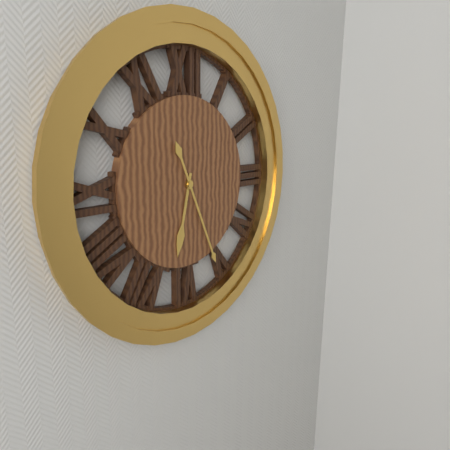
6:26
